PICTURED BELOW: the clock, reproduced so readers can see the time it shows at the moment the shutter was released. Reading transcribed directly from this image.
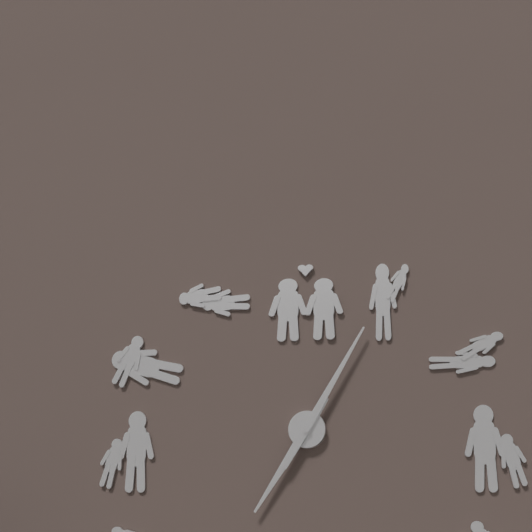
7:05
